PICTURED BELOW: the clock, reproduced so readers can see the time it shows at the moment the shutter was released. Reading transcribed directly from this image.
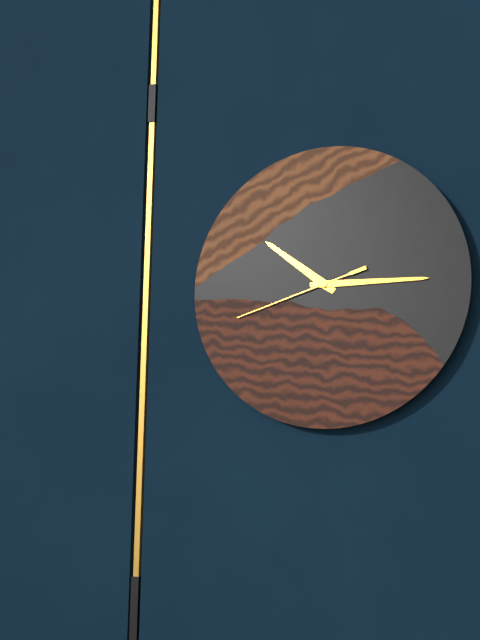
10:15:42
